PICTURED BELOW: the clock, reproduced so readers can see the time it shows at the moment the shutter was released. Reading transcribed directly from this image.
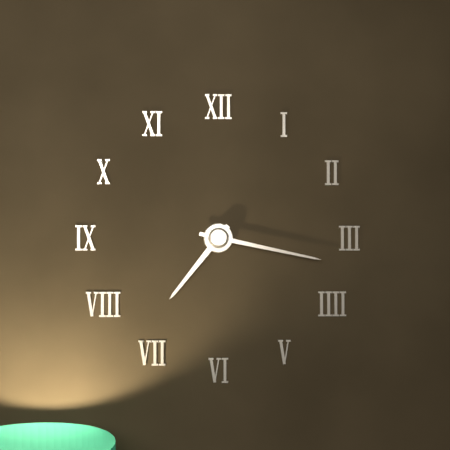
7:17
